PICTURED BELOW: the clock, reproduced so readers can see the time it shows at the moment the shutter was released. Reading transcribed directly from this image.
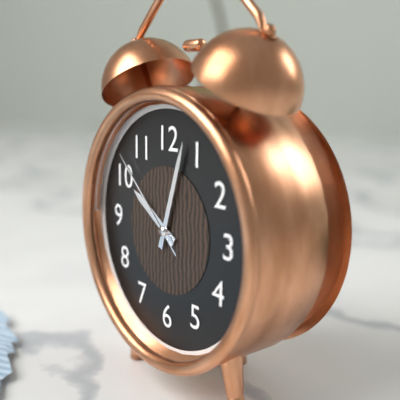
10:03:52
